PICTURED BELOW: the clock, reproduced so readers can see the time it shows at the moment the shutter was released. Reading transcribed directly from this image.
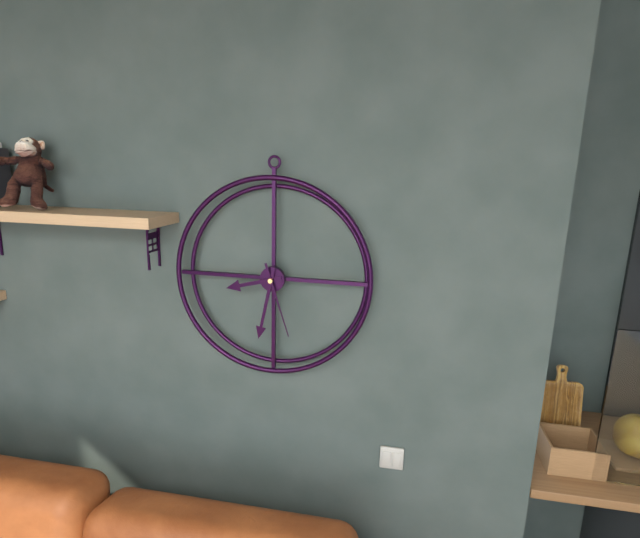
8:32:27
